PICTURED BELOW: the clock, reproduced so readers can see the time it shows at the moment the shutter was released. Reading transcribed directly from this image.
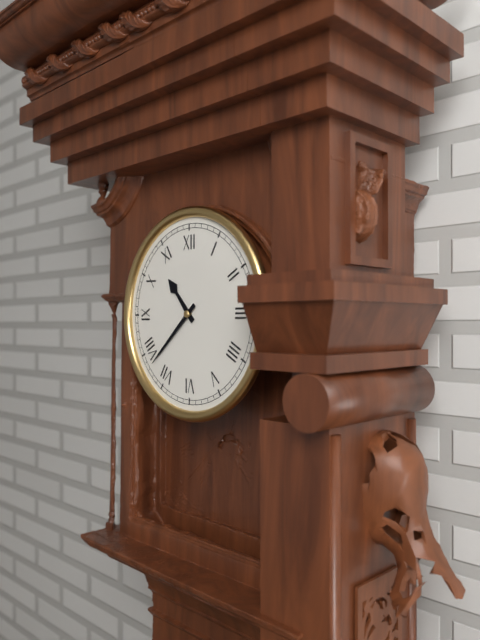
10:38
